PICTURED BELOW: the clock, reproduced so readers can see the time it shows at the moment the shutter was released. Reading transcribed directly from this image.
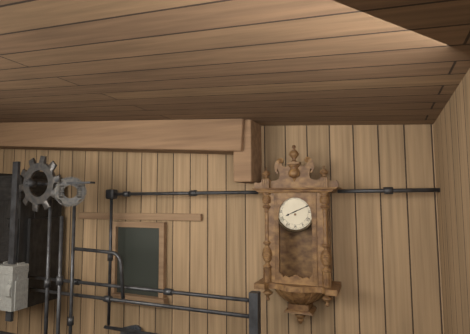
8:11
